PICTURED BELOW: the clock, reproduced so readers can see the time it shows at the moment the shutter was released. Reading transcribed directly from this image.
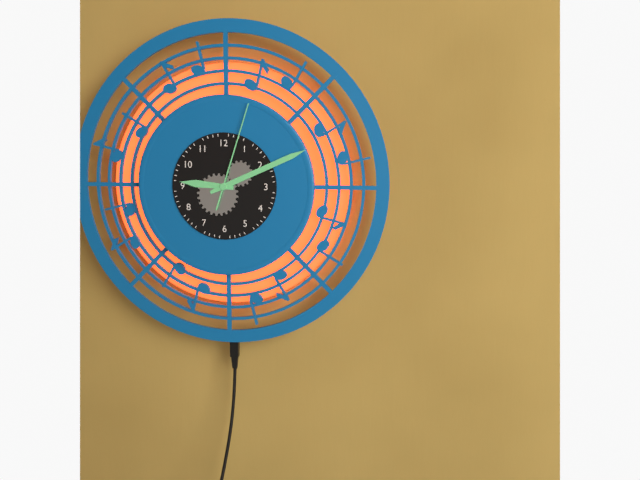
9:11:03
